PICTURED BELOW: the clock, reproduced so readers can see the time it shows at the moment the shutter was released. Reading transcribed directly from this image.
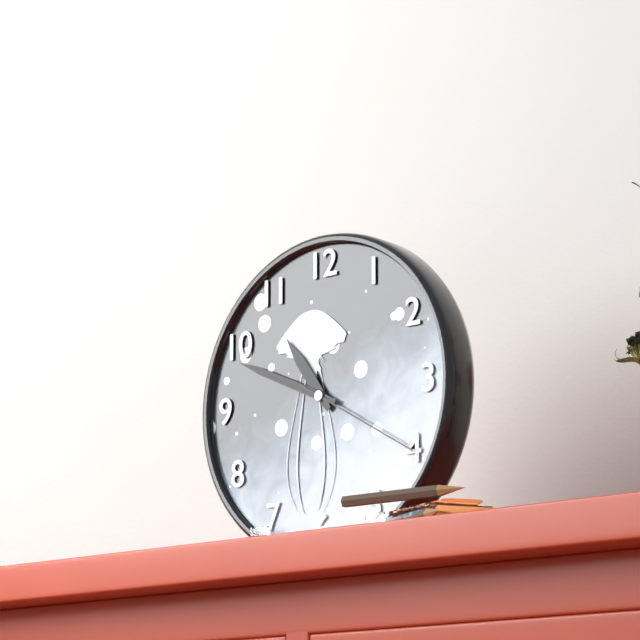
10:49:20
